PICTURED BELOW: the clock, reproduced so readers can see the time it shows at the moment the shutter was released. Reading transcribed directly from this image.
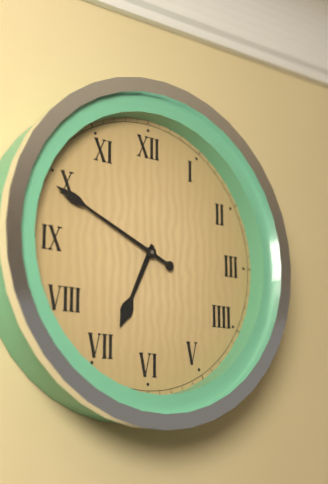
6:49
